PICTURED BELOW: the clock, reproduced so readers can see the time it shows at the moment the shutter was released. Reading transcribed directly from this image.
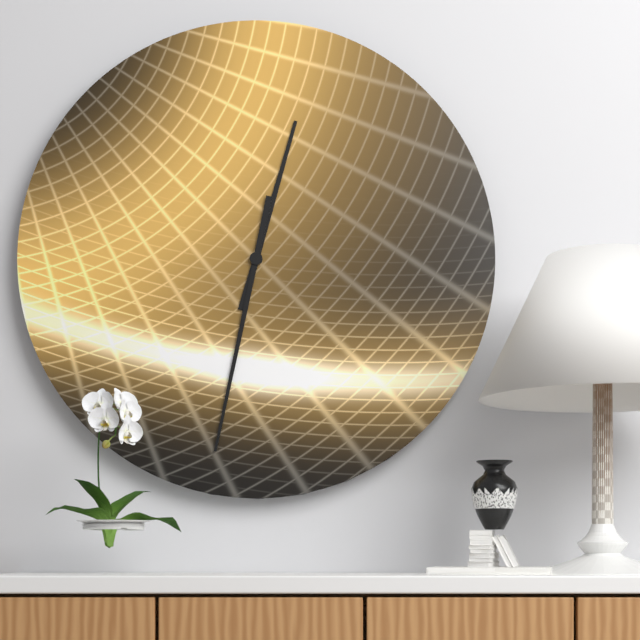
12:32
